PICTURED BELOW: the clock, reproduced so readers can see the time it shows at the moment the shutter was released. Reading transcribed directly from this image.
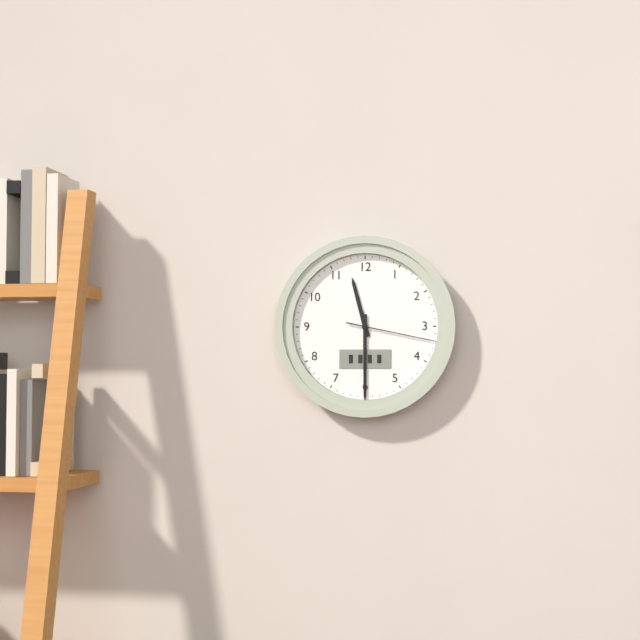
11:30:17
